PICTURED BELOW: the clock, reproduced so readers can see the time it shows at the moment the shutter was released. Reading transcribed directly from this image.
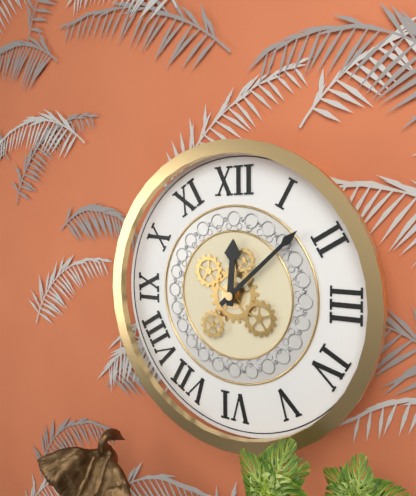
12:08
